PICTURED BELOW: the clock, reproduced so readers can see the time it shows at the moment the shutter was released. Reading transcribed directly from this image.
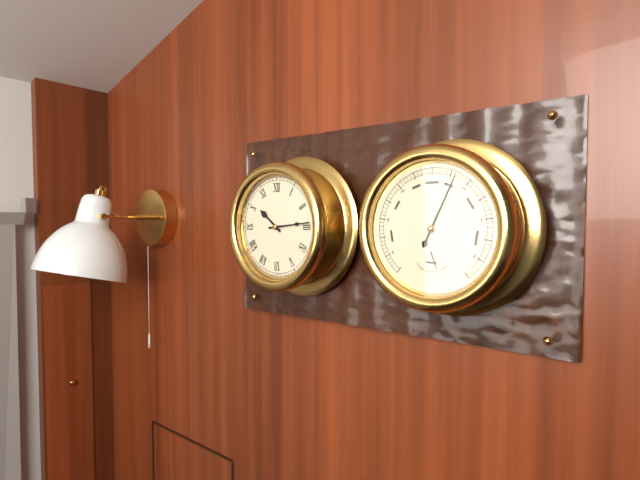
10:14
